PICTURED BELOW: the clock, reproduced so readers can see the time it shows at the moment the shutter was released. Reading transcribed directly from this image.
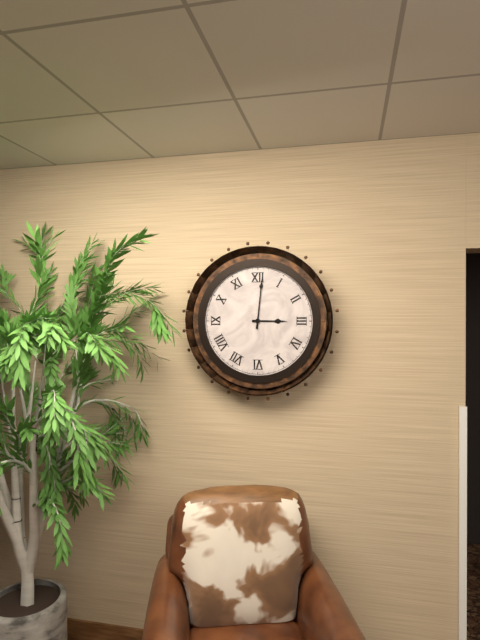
3:01
